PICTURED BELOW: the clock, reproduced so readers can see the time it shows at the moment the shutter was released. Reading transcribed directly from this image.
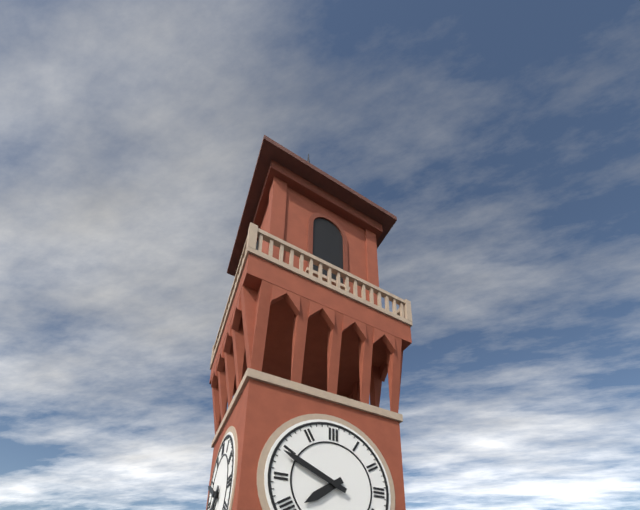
7:49
